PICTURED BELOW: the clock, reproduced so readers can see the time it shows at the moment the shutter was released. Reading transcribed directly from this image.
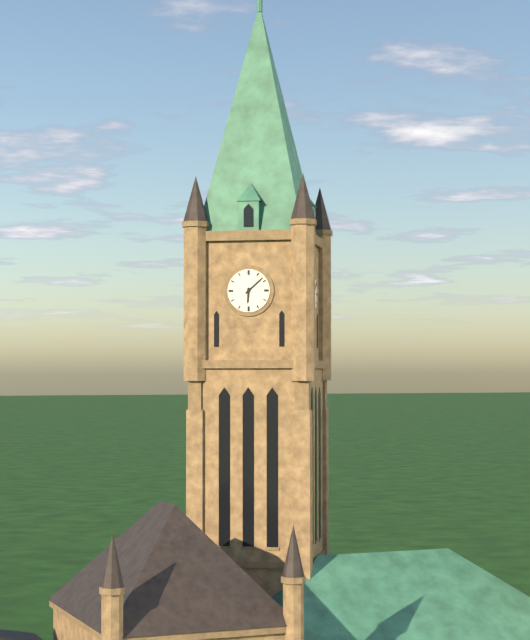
6:08
